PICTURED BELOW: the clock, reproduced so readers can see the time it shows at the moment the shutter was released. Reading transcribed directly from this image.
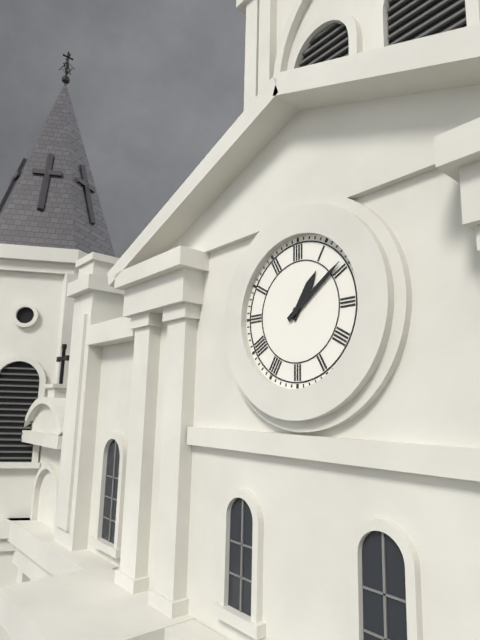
1:09
